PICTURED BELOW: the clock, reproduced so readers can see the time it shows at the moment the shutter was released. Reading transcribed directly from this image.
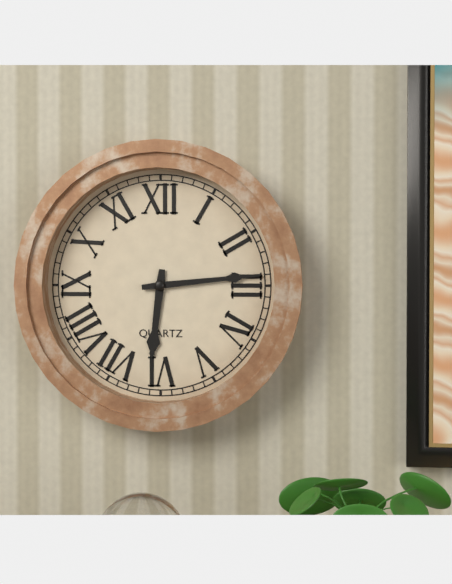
6:14
